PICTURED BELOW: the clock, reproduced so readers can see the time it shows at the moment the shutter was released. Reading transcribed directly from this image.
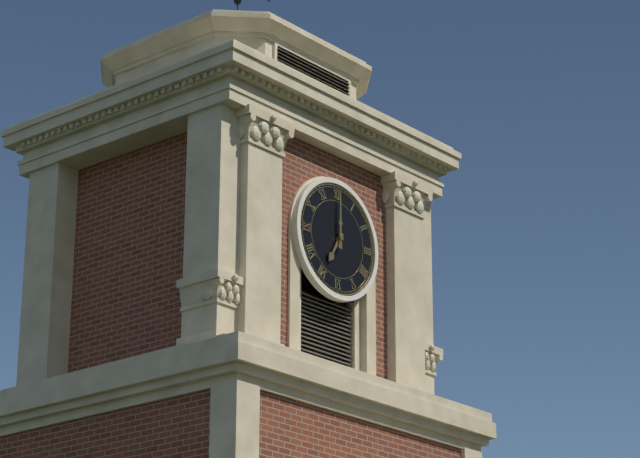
7:00
